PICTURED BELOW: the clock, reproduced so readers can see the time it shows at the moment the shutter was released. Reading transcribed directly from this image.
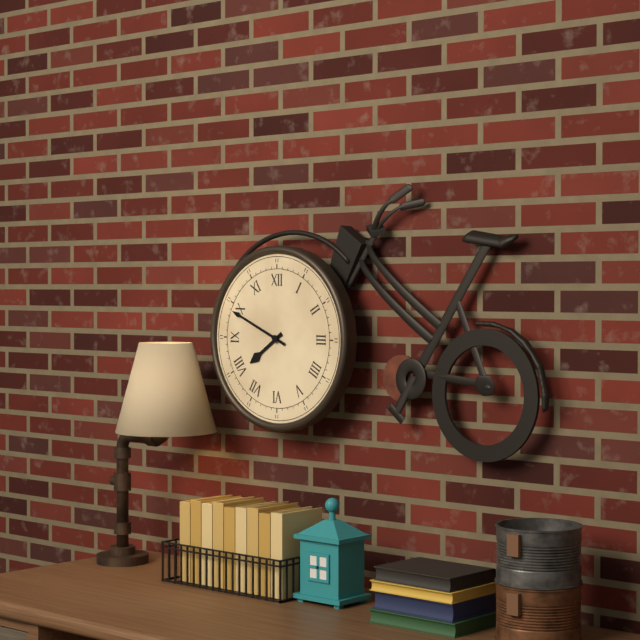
7:49
